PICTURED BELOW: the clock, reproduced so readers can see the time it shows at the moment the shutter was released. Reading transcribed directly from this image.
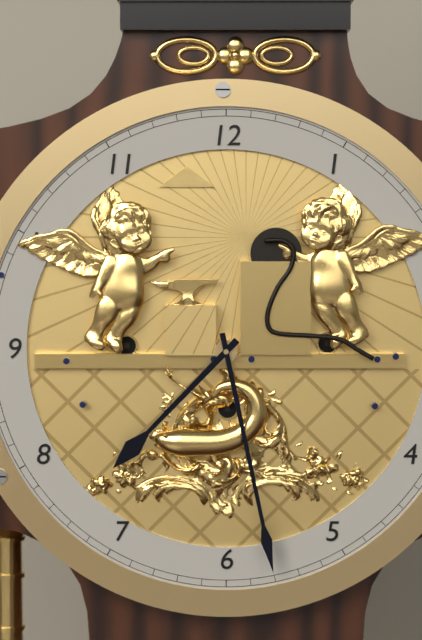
7:28
